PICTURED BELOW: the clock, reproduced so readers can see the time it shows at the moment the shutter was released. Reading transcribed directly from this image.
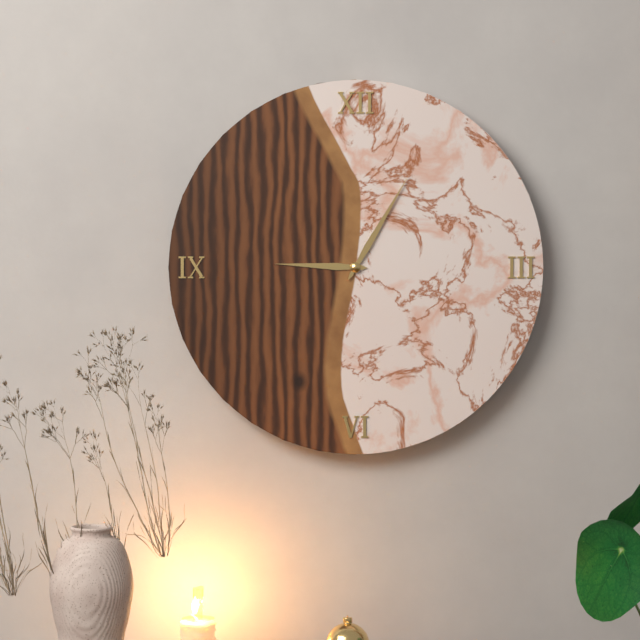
9:05
